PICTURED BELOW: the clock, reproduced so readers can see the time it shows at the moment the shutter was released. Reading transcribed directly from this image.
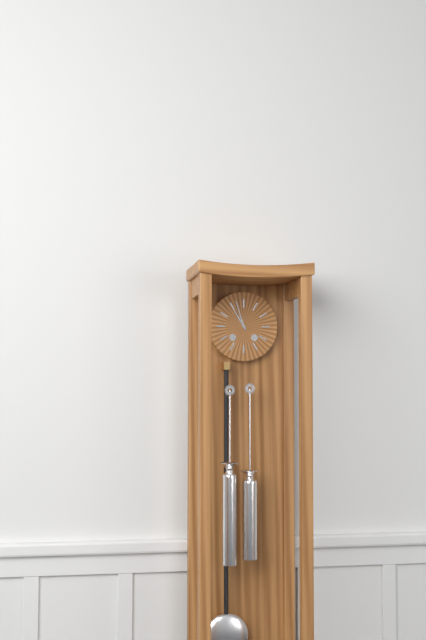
10:57
